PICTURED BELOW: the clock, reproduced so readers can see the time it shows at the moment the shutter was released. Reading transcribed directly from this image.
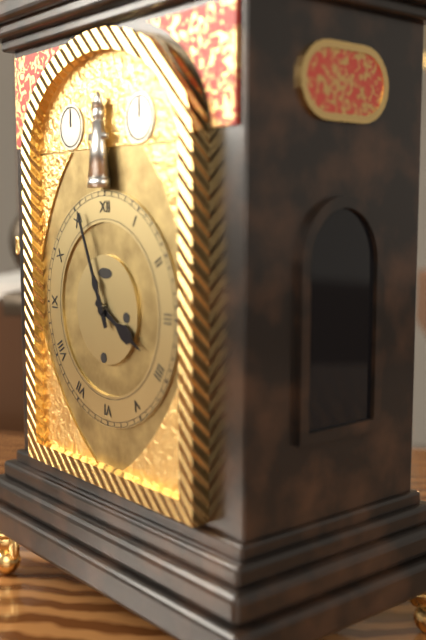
3:56
